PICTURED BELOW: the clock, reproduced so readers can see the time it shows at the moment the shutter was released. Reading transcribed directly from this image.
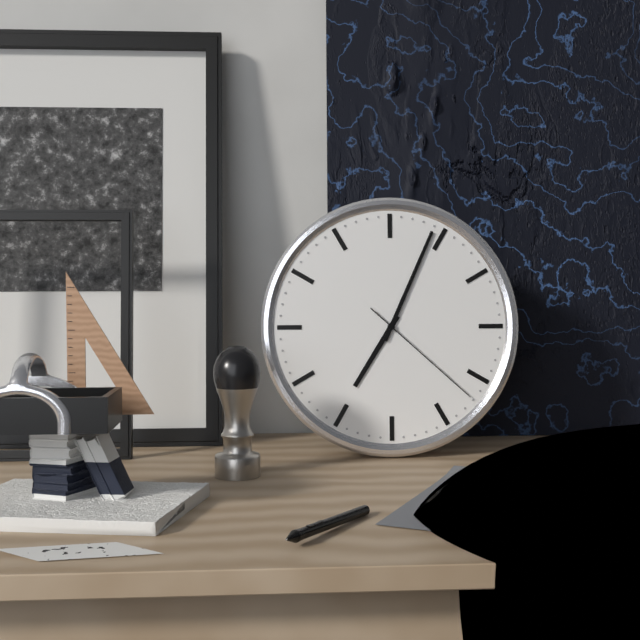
7:04:22
